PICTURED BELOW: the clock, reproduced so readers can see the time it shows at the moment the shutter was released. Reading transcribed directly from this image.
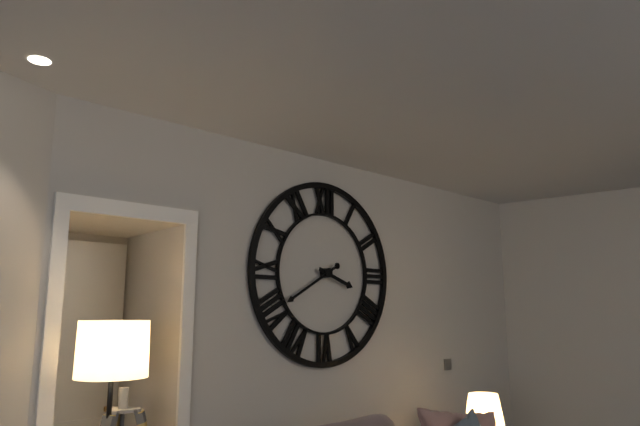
3:40
